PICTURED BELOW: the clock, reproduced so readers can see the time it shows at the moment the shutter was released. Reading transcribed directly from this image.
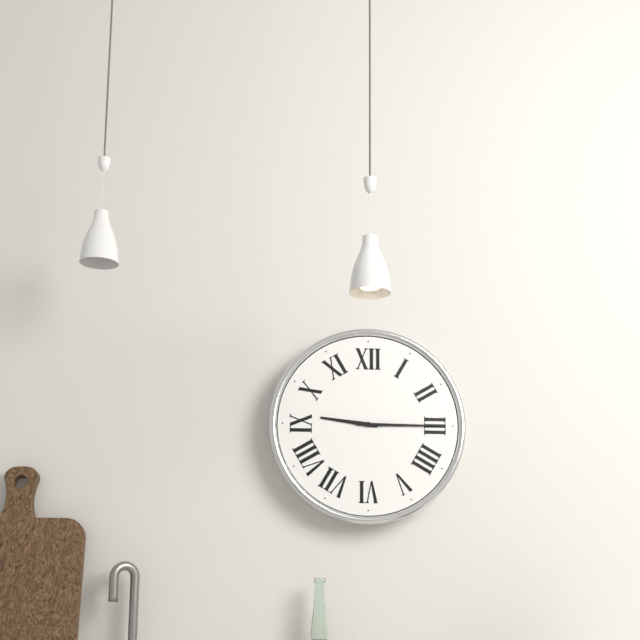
9:15
